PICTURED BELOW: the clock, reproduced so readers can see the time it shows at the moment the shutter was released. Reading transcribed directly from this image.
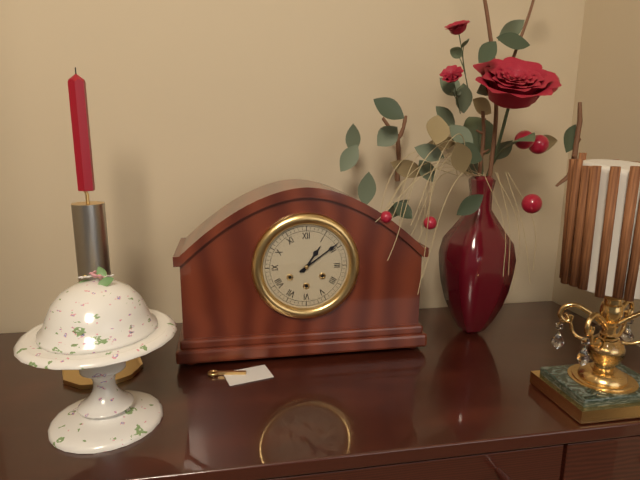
1:09
